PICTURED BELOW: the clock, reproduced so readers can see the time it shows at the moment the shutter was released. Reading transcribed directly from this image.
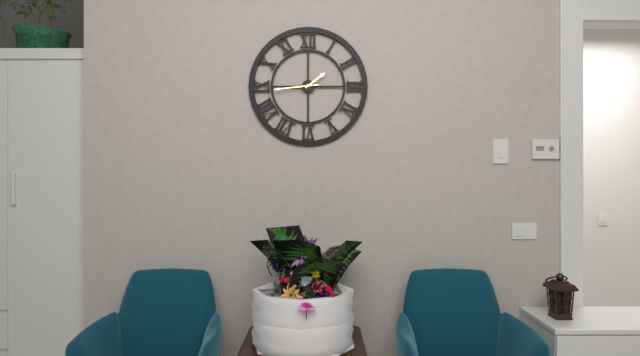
1:44
